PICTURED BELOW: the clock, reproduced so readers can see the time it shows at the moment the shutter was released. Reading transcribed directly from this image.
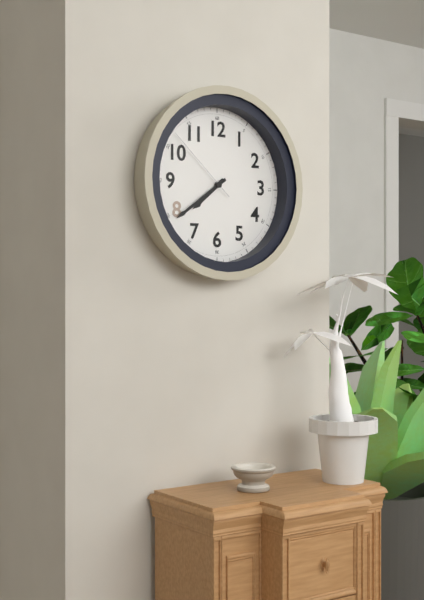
7:39:52
